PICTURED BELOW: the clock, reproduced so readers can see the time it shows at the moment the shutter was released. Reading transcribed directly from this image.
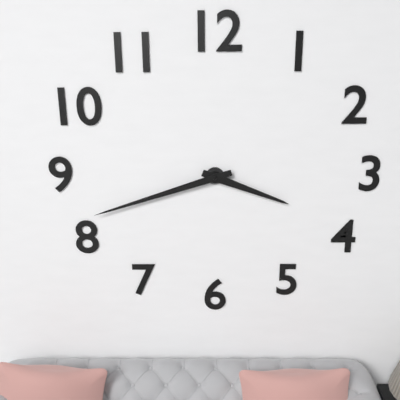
3:42
